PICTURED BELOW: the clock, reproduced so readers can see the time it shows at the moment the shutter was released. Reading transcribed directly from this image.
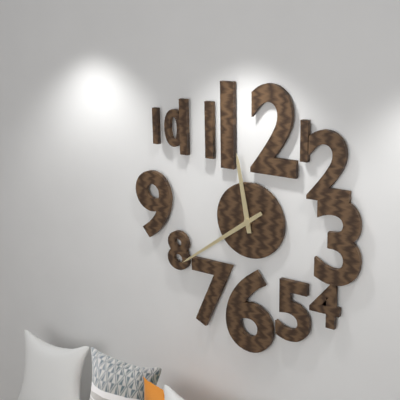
11:39
